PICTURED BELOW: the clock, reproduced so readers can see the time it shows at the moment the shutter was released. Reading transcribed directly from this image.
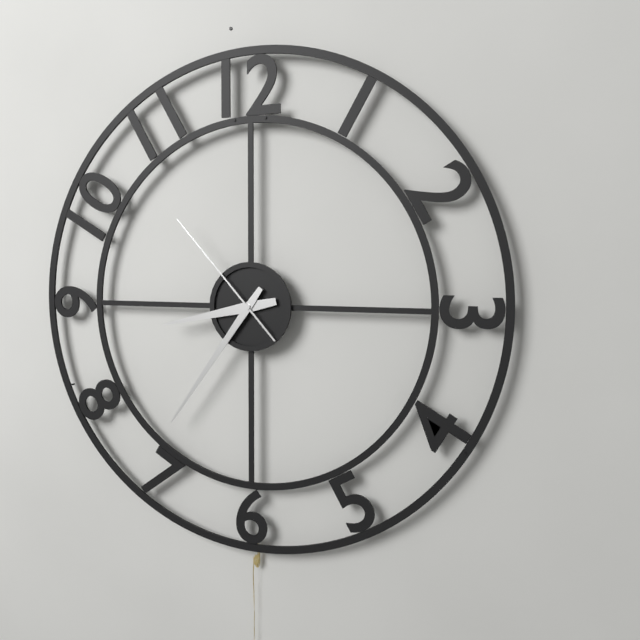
8:36:53
